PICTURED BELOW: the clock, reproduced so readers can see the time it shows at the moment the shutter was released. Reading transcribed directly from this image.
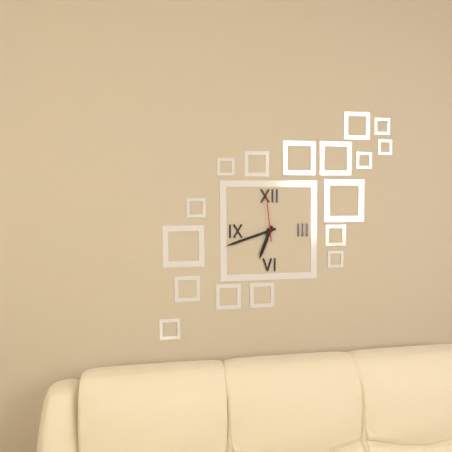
6:42:59
